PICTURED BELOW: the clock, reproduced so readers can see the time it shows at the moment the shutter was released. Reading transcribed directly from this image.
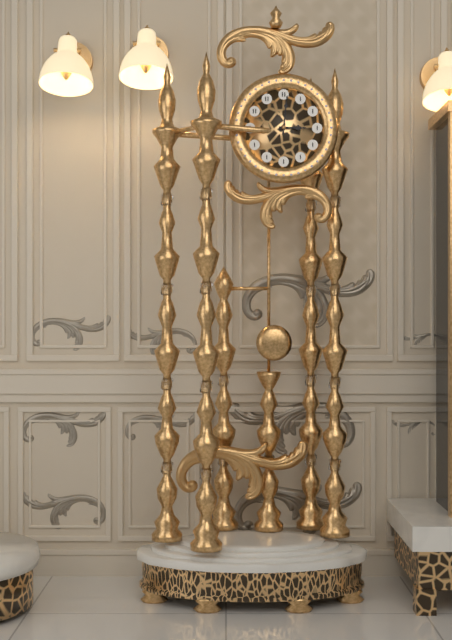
3:01
